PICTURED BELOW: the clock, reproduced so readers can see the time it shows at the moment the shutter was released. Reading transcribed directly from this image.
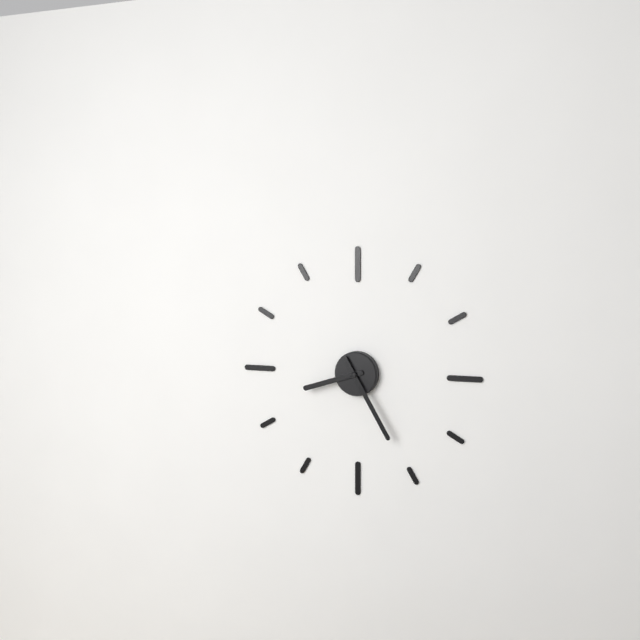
8:25
